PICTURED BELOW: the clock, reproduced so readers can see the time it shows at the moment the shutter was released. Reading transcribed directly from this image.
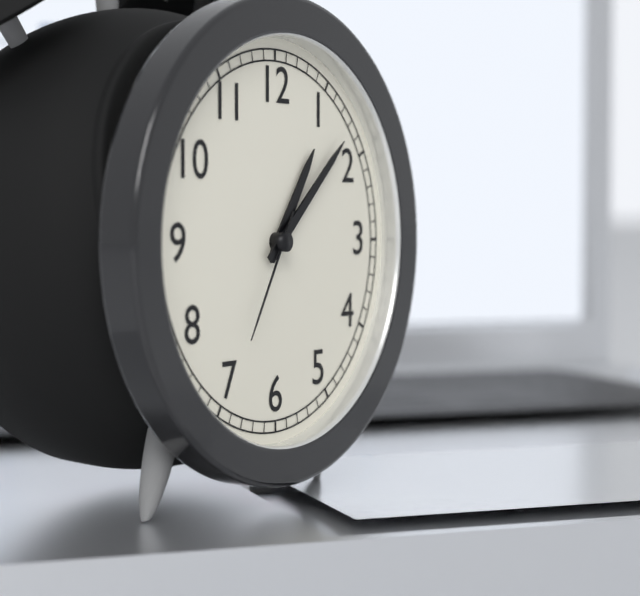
1:08:35
